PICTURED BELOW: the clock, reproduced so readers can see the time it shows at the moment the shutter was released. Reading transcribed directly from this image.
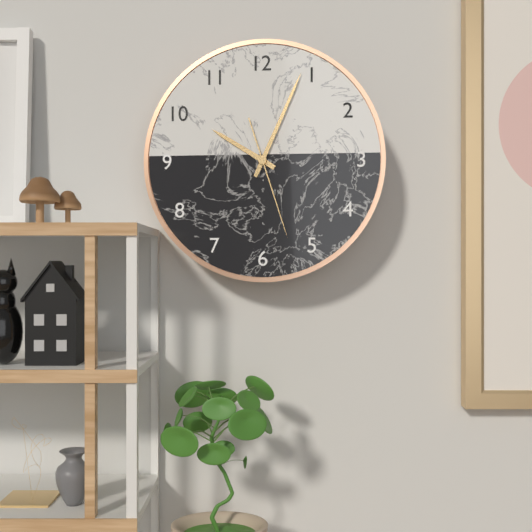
10:04:27
